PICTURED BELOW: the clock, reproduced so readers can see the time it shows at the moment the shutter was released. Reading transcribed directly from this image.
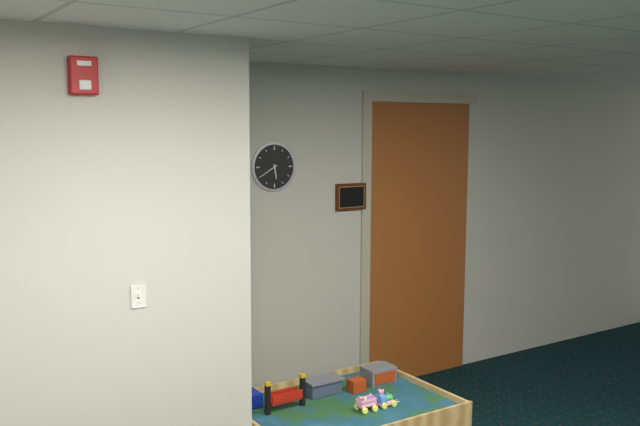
5:40
